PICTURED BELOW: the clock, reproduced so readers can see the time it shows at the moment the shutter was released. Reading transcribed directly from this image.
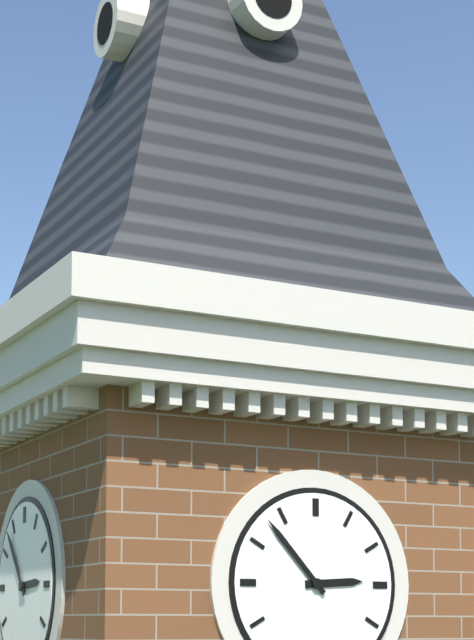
2:53
